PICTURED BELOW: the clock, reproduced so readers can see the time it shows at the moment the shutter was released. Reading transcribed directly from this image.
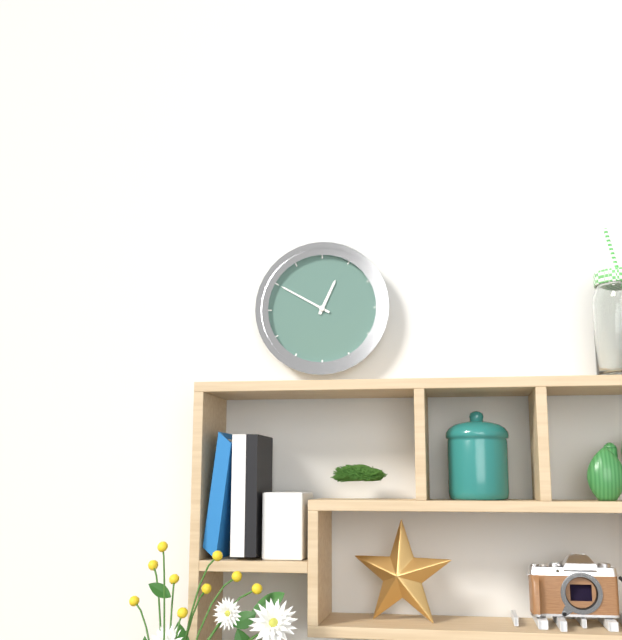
12:50
